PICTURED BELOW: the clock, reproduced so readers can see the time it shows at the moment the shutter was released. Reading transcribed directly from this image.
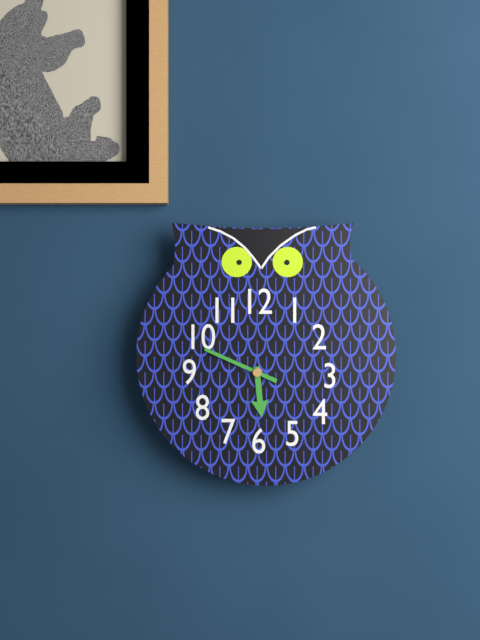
5:49
